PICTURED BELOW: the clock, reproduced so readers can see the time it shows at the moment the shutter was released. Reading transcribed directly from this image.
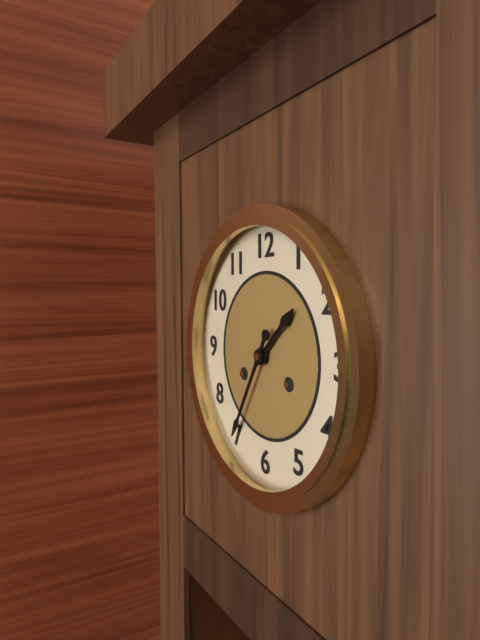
1:35
